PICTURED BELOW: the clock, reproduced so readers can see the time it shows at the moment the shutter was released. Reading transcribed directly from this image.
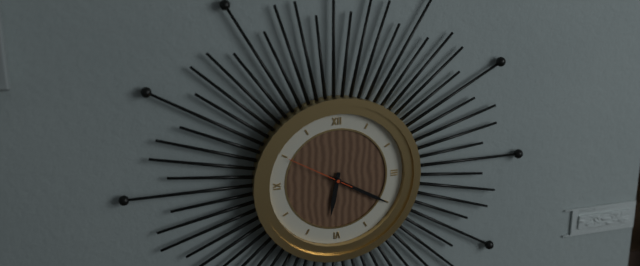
6:20:50
